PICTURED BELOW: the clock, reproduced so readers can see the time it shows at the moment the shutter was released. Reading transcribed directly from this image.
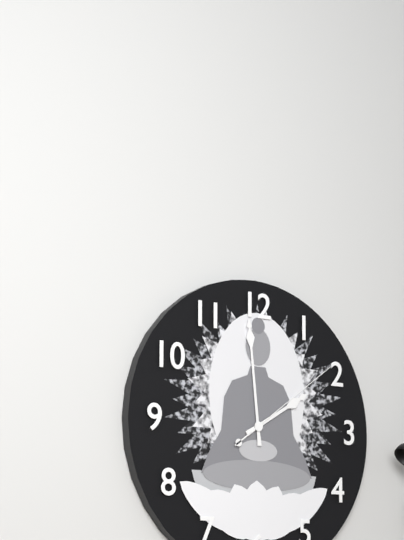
1:59:09
